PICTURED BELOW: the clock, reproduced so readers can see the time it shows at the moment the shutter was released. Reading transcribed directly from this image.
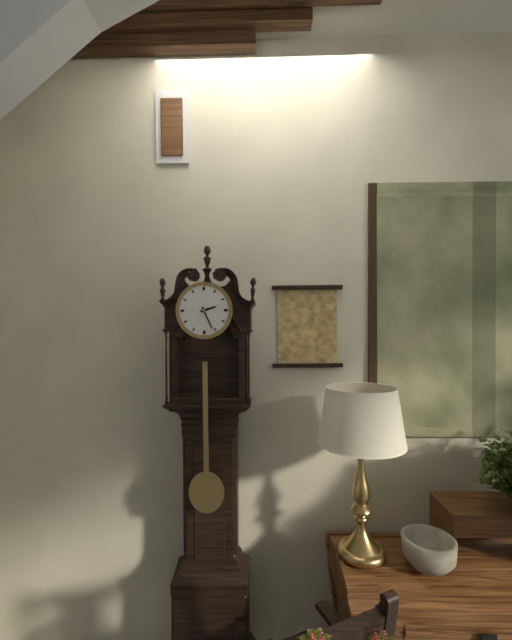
2:26
